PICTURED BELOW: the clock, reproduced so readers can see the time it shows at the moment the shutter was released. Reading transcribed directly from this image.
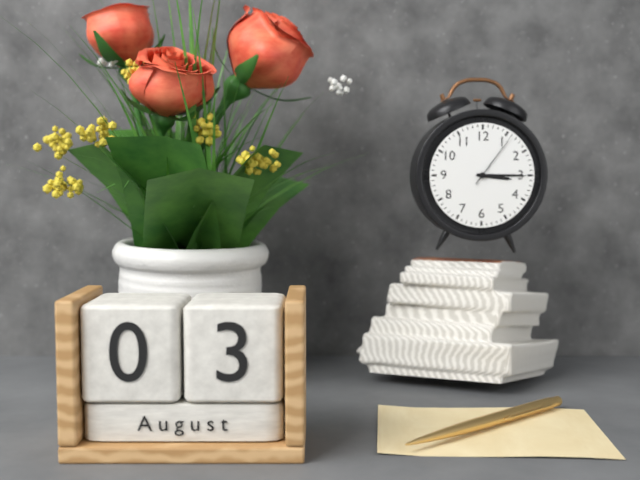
3:15:06
